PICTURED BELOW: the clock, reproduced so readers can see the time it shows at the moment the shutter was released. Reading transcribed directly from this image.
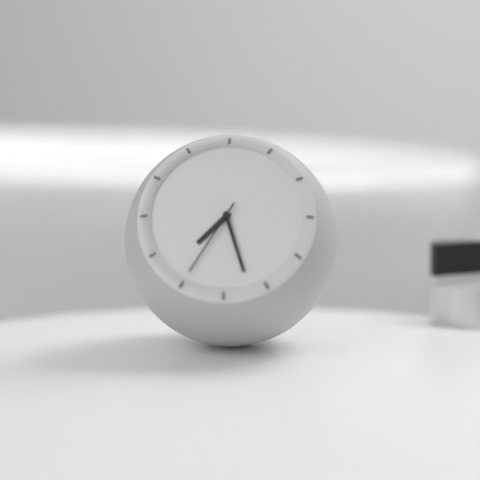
7:27:35
